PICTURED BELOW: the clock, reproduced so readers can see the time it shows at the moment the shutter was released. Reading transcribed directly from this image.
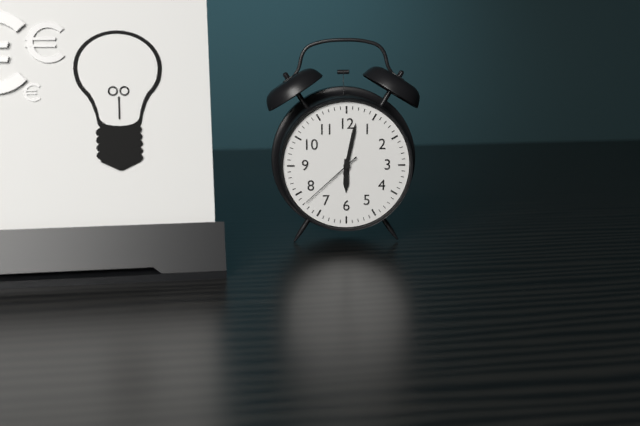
6:02:38
